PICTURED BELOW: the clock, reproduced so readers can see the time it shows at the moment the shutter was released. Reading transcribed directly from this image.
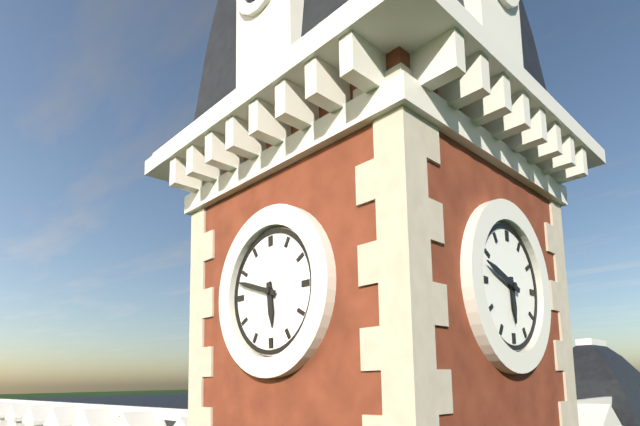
5:48
